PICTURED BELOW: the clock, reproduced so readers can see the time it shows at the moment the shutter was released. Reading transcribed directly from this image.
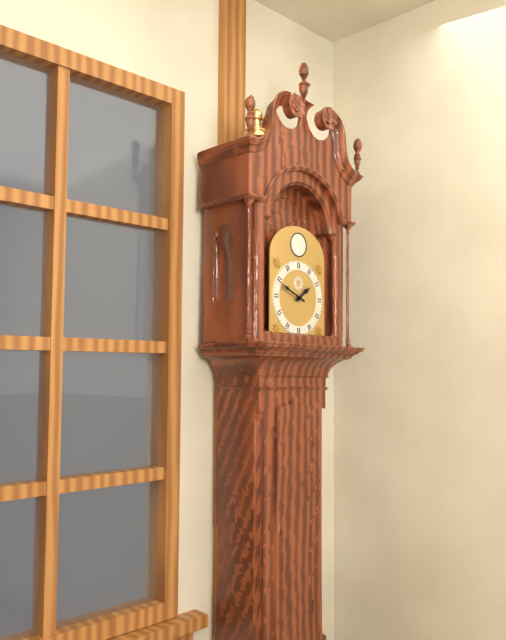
1:49
